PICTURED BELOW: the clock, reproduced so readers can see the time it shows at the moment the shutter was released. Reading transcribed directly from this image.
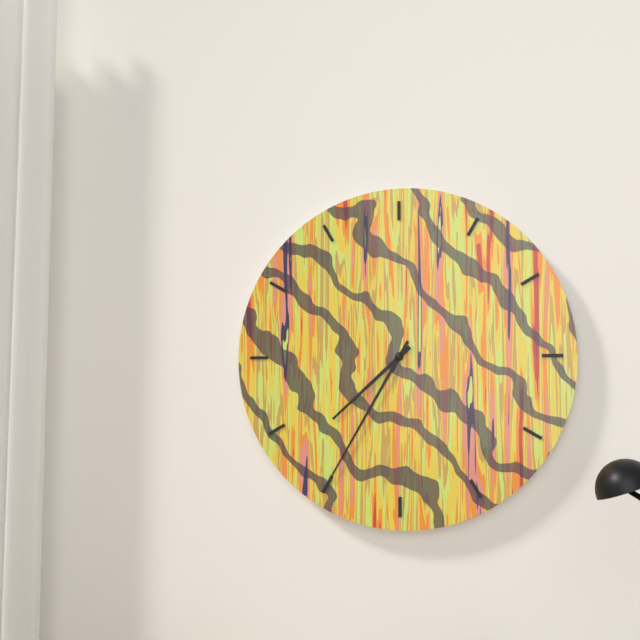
7:35
